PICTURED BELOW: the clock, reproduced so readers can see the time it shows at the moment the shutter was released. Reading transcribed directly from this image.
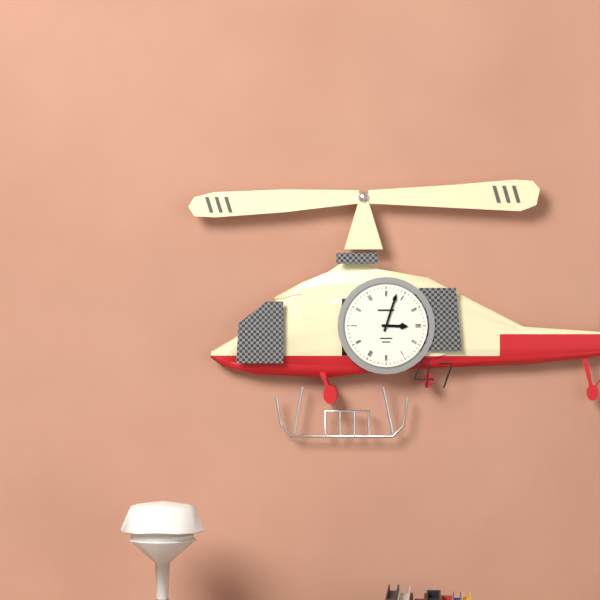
3:03
